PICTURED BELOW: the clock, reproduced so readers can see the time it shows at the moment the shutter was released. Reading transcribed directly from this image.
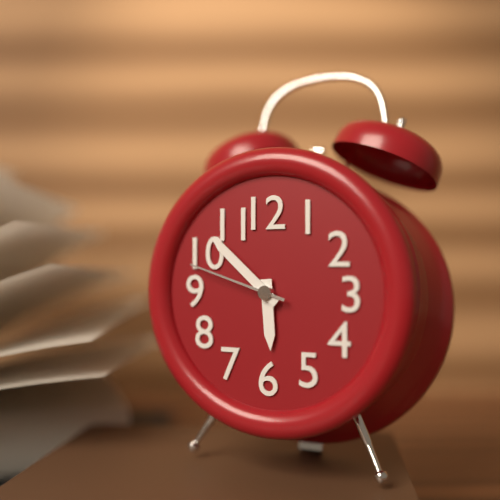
5:52:48
